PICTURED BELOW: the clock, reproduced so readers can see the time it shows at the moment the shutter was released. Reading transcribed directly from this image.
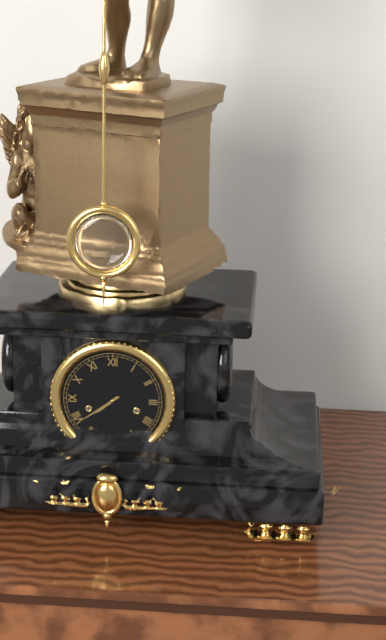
7:39
